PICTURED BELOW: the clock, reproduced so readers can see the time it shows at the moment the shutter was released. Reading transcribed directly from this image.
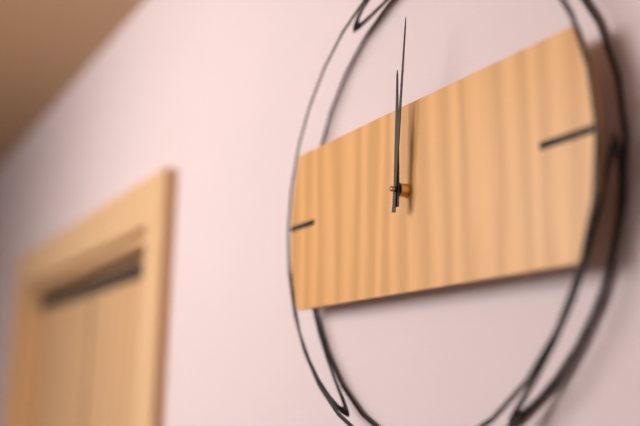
12:01
